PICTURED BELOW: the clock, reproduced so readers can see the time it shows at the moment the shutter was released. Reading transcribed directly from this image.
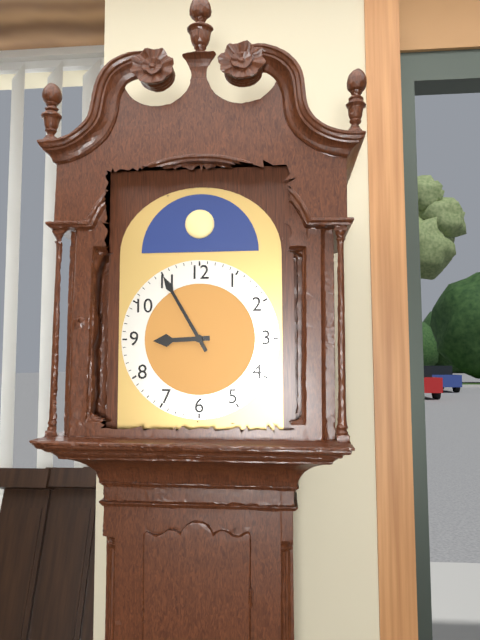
8:55
